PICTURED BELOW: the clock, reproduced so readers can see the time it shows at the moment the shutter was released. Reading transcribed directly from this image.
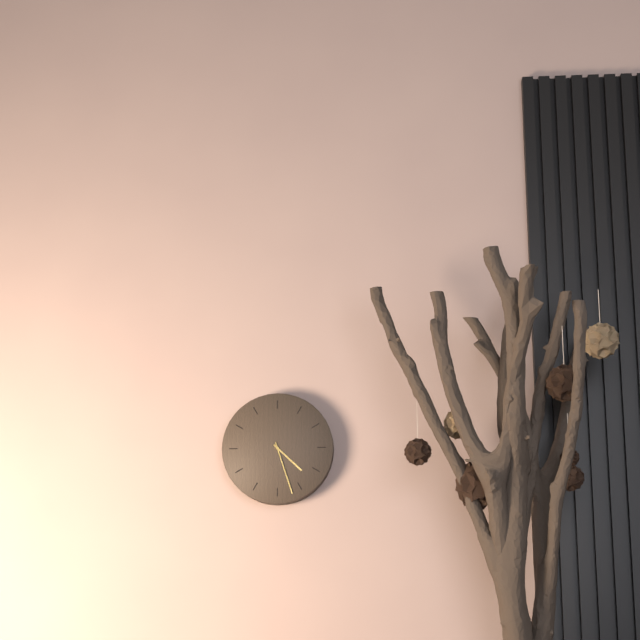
4:27
